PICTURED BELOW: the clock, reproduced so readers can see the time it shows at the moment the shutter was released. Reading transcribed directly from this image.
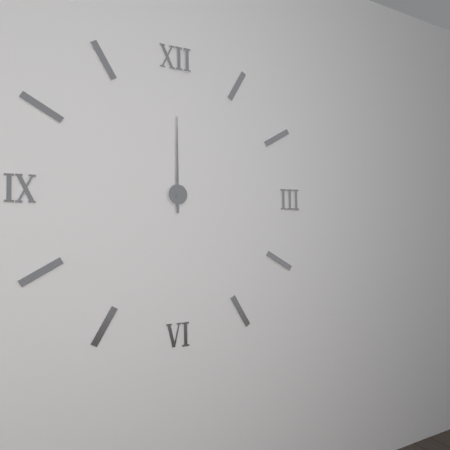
12:00
